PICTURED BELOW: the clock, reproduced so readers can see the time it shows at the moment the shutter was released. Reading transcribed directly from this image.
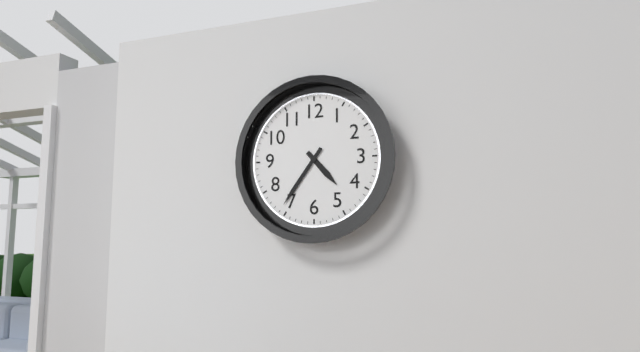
4:36
